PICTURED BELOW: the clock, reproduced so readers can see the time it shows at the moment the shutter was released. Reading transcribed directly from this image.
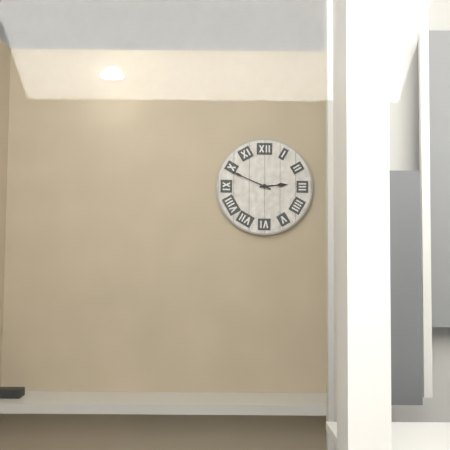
2:49
